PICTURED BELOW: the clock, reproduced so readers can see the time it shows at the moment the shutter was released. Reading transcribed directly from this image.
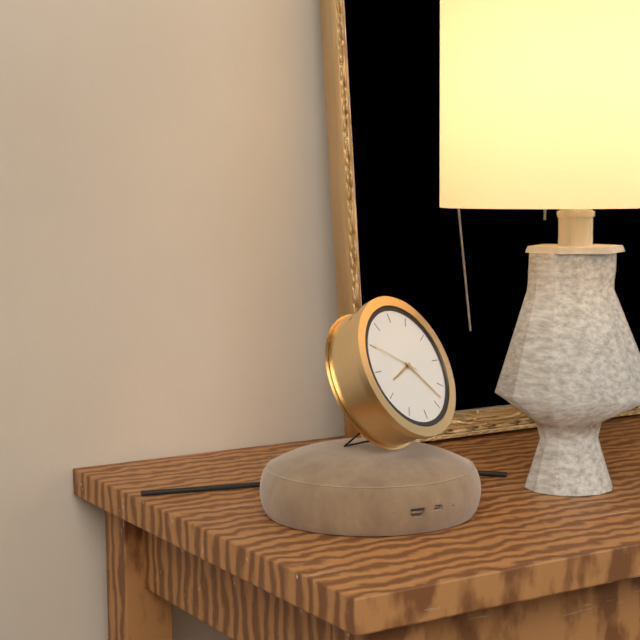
8:23:50
